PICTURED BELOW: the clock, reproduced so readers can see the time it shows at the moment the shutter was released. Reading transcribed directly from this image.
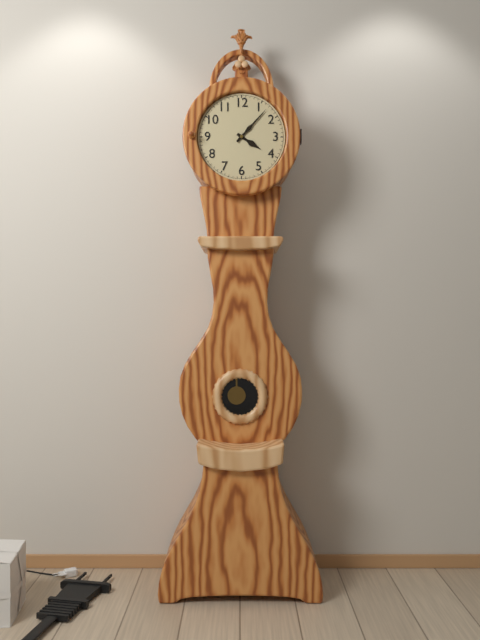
4:07
